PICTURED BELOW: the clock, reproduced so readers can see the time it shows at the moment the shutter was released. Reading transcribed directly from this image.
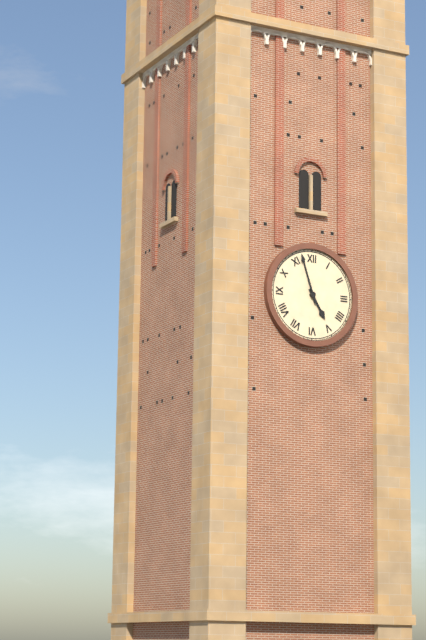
4:57
